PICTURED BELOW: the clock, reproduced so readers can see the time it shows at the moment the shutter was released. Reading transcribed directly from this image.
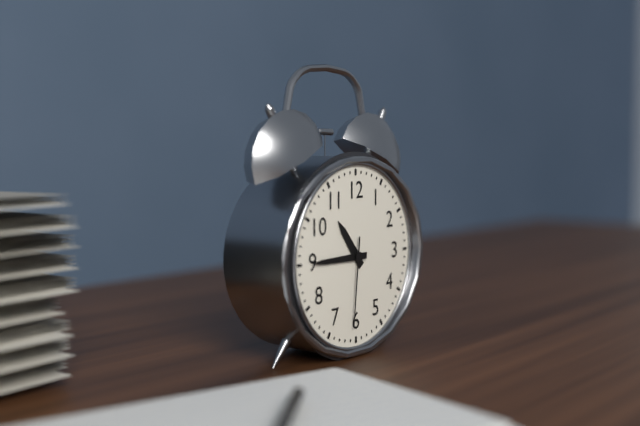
10:45:31
